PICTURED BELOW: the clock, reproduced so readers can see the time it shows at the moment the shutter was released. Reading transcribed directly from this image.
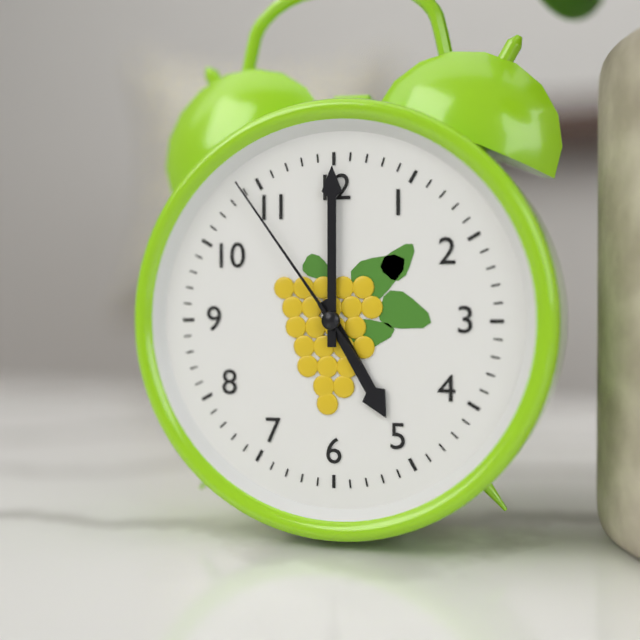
5:00:54
